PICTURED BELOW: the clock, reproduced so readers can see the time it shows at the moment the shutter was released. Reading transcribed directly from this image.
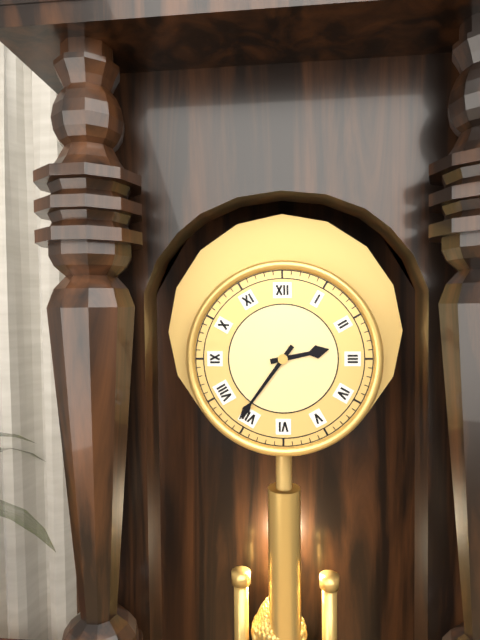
2:36
